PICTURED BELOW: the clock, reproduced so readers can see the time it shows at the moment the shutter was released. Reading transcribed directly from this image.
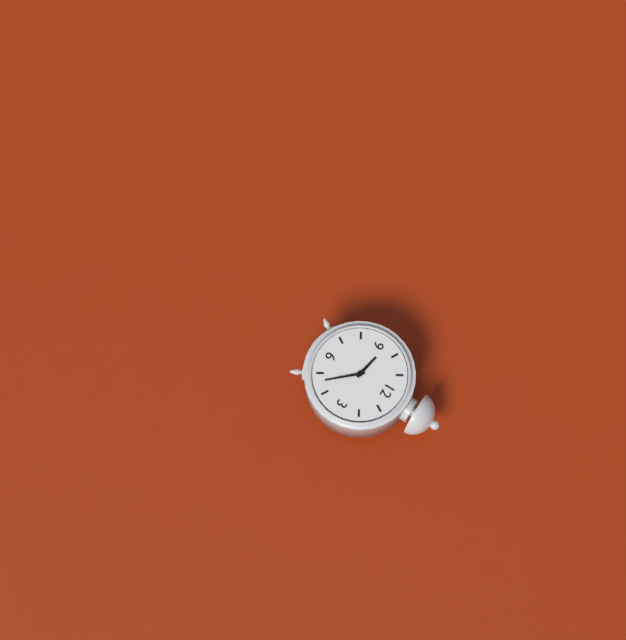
9:23
